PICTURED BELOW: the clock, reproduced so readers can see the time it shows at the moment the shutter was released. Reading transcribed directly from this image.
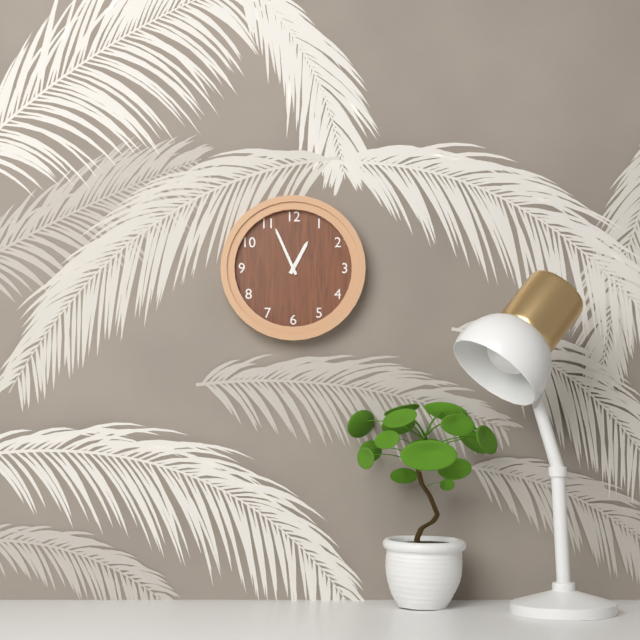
12:56
